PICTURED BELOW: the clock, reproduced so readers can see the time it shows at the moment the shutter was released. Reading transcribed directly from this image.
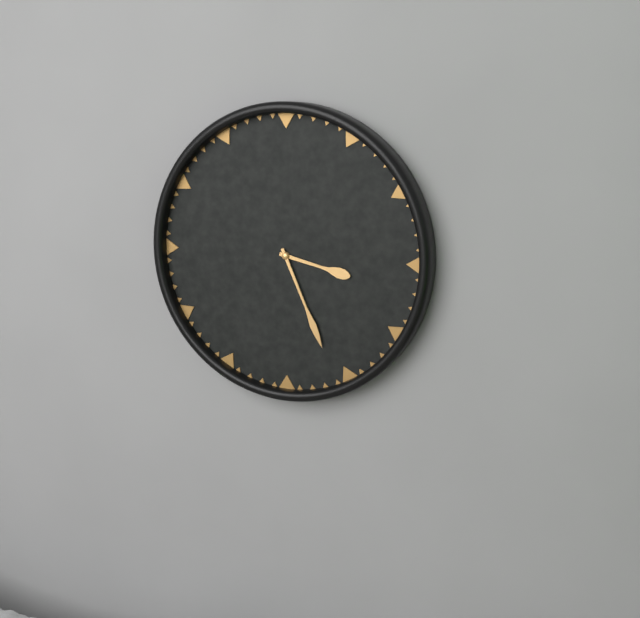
3:26
